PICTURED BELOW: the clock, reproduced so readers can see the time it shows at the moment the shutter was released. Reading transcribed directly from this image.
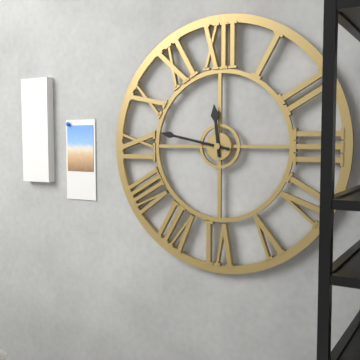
11:47
